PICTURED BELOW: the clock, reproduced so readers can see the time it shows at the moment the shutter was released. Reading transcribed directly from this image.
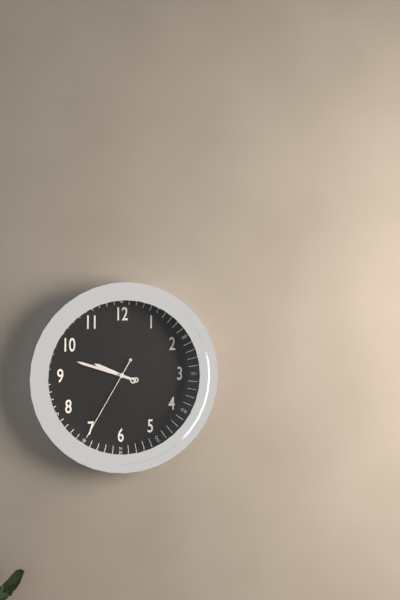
9:48:35
